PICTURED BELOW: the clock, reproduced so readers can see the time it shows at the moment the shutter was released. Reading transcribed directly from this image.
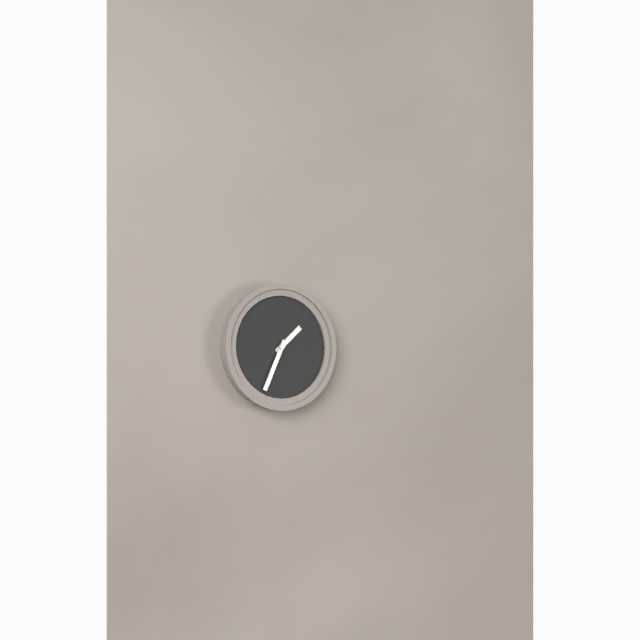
1:34
